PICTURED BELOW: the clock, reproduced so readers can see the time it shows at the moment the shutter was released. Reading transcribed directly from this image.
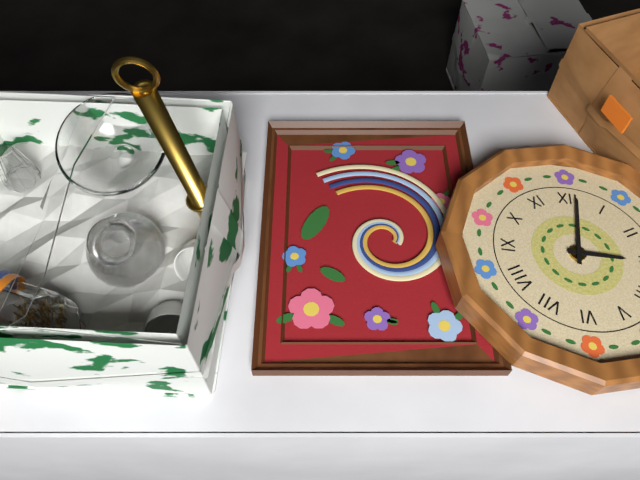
3:01
